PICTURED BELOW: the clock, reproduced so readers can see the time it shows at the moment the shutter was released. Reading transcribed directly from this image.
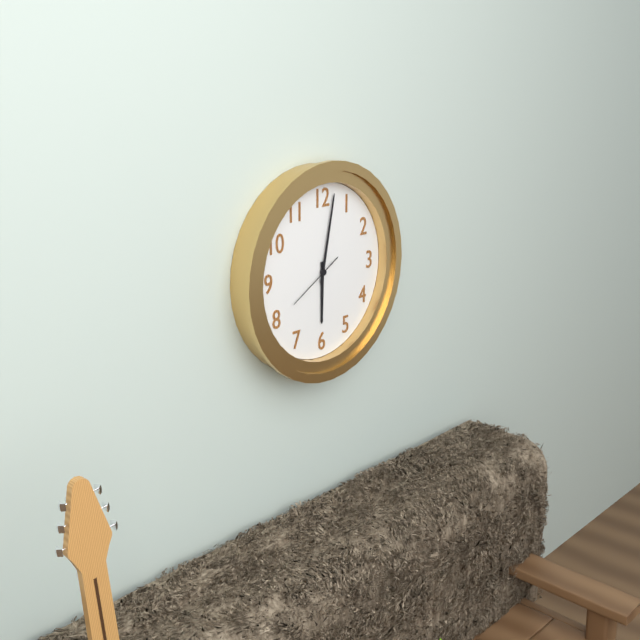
6:02:40
